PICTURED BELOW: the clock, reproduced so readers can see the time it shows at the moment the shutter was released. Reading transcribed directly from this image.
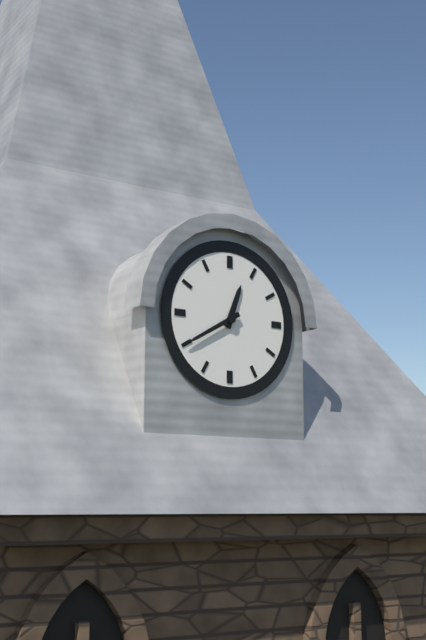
12:40
